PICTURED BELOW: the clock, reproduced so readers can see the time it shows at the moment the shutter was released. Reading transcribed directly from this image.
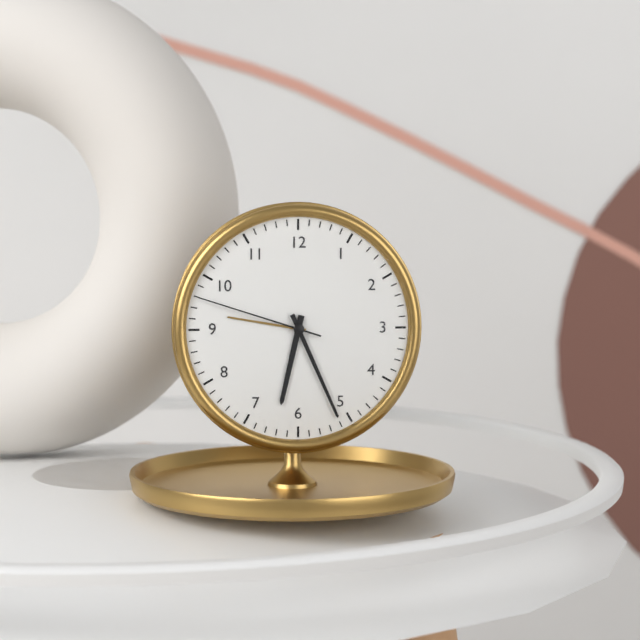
6:26:48
